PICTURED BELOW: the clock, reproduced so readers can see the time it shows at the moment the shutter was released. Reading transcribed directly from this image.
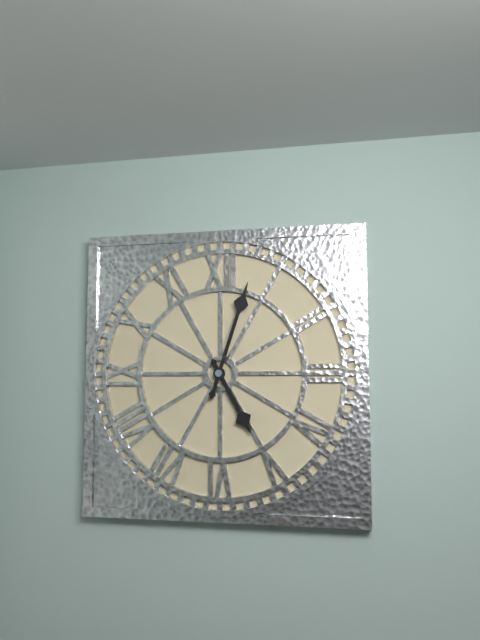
5:03
